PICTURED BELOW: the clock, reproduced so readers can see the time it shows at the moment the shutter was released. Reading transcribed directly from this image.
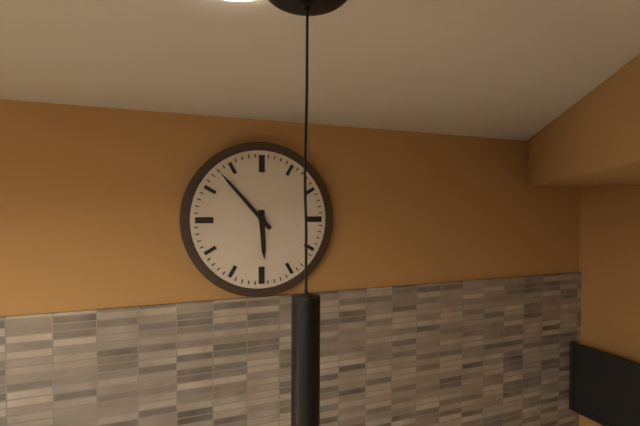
5:53
